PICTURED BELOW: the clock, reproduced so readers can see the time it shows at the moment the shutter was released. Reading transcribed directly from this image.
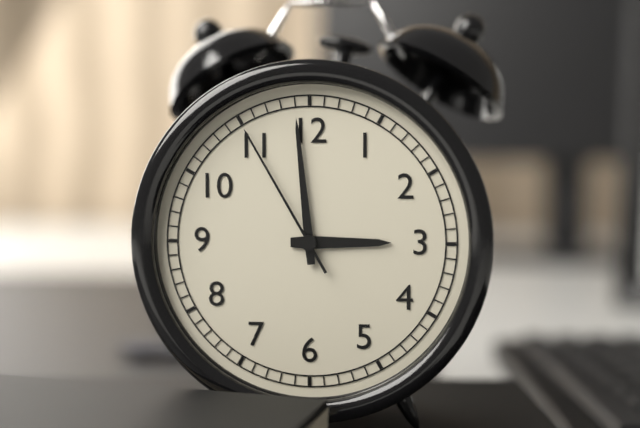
2:59:55
